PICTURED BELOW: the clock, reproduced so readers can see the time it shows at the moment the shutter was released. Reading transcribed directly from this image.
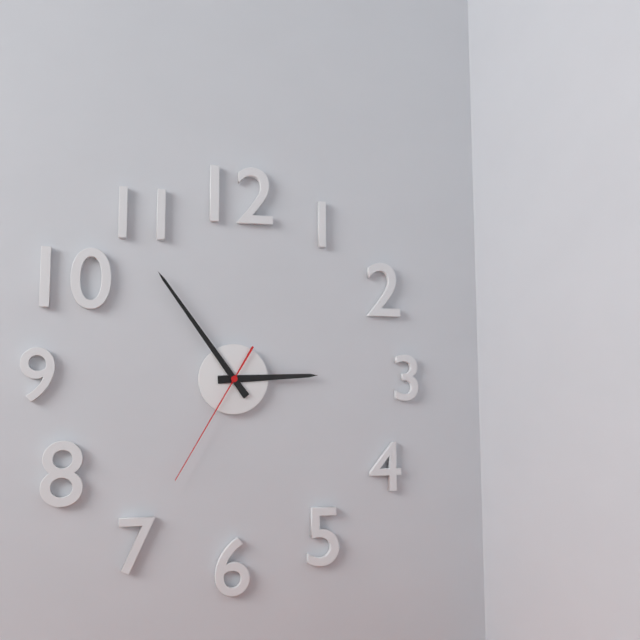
2:54:35
